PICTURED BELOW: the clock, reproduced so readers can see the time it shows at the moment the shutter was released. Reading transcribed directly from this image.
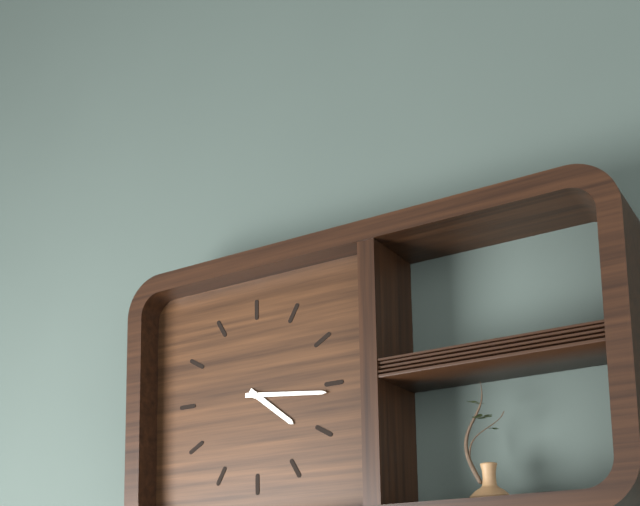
4:16
